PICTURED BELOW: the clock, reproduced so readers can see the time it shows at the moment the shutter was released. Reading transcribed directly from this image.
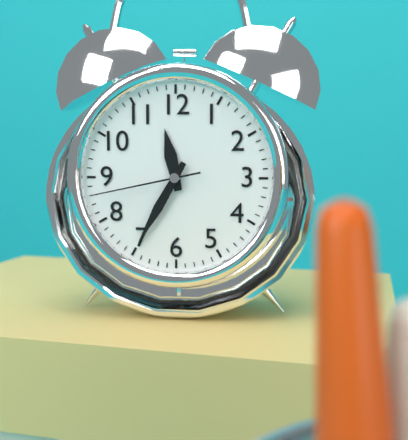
11:35:43
